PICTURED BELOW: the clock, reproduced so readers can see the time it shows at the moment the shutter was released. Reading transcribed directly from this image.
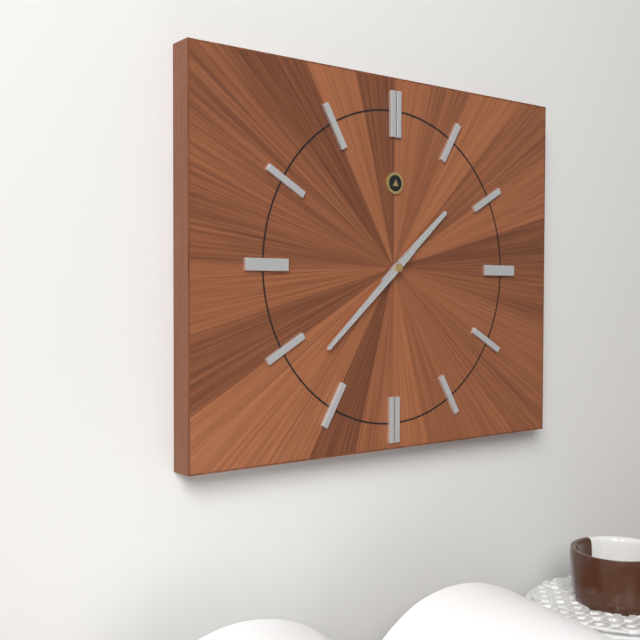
1:38
